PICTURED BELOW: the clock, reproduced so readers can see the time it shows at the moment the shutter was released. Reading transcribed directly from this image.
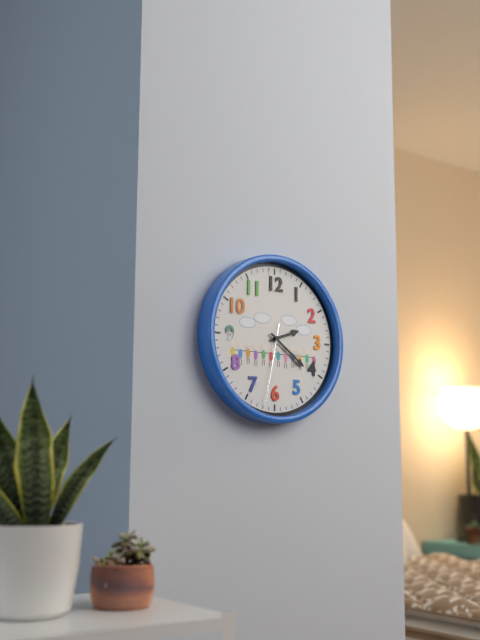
2:21:32
